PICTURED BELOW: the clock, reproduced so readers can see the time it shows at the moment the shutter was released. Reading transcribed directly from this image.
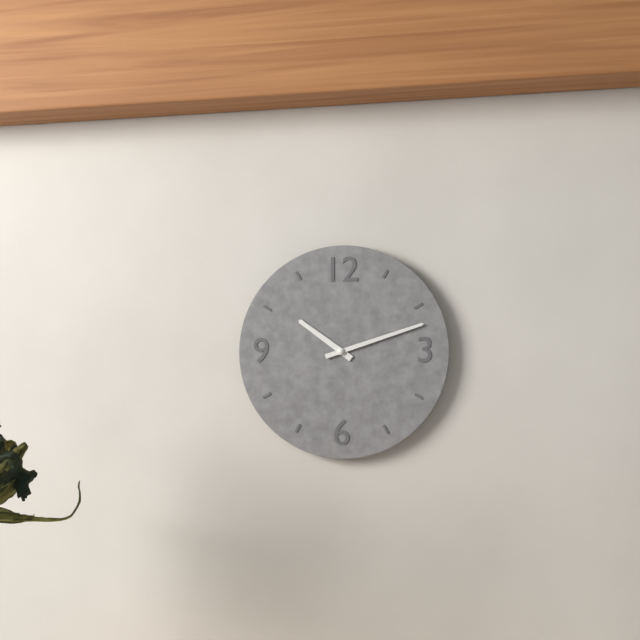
10:12
